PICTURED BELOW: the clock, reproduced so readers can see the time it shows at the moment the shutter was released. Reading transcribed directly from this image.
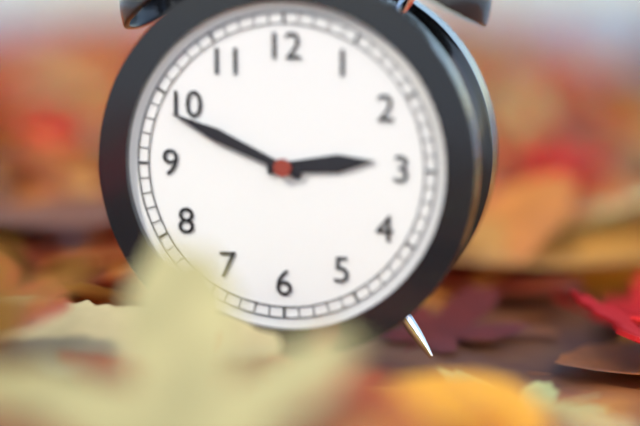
2:49
